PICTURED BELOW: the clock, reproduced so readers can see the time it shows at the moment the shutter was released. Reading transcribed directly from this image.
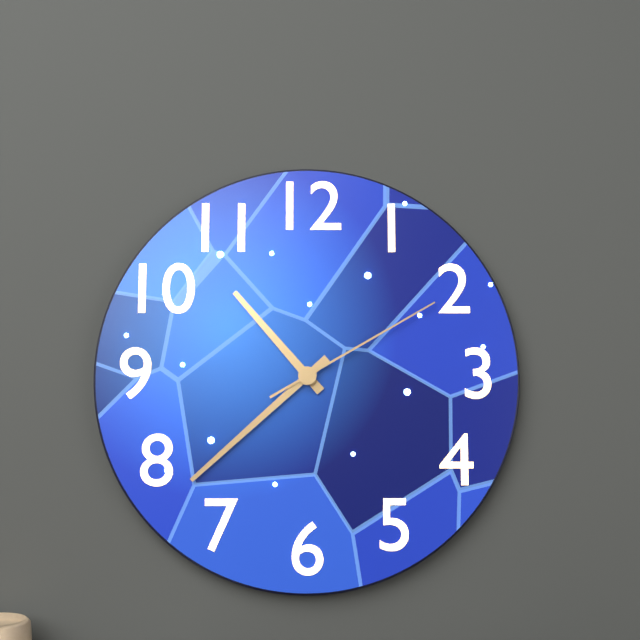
10:38:10
